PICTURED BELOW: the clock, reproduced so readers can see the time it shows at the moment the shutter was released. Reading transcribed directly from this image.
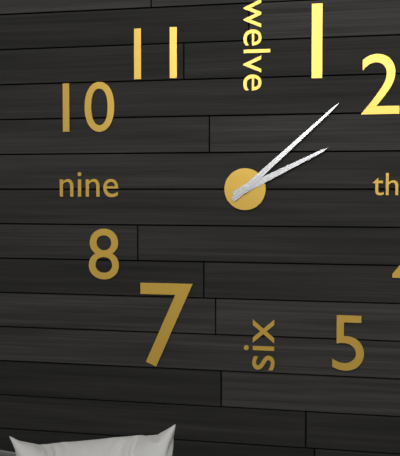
2:08
